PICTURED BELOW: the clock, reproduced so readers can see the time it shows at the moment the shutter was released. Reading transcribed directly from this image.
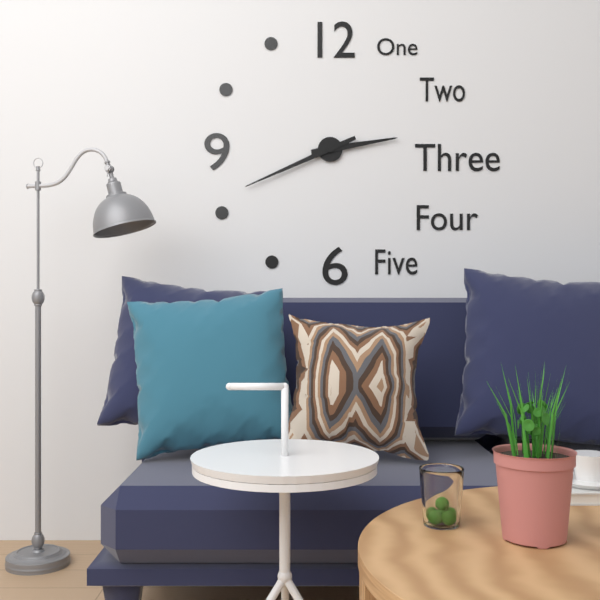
2:41
